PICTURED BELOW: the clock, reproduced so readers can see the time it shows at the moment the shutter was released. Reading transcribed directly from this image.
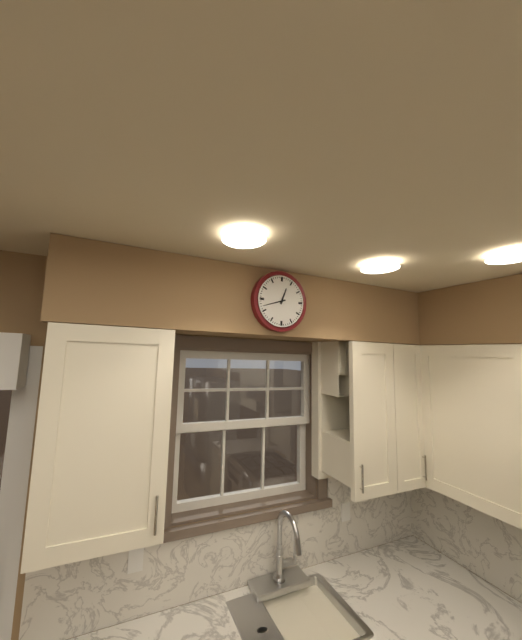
12:42
